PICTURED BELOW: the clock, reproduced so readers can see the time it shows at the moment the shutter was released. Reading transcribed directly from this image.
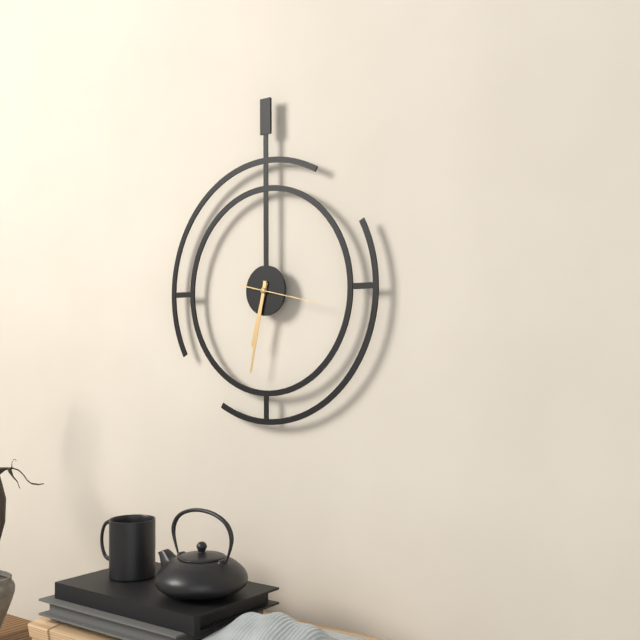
6:32:17
